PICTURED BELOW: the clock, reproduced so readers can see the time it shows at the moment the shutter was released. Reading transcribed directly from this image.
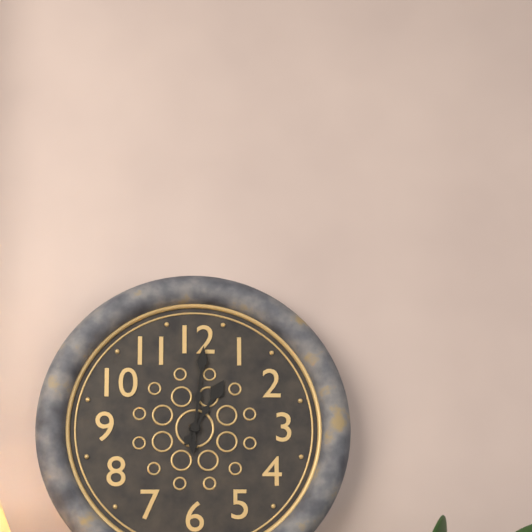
1:01
